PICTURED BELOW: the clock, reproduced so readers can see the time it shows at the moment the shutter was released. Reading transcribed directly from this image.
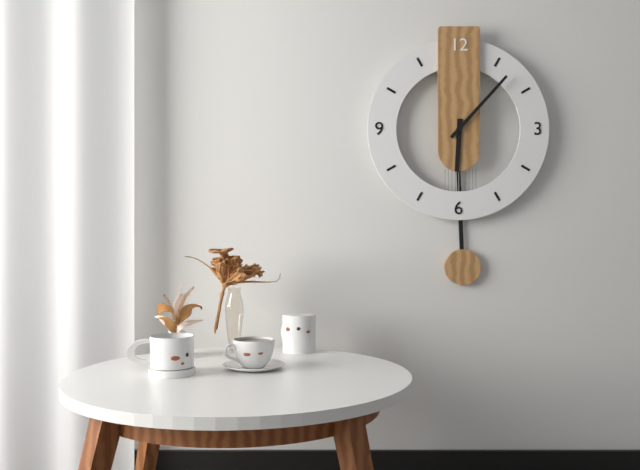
6:07
